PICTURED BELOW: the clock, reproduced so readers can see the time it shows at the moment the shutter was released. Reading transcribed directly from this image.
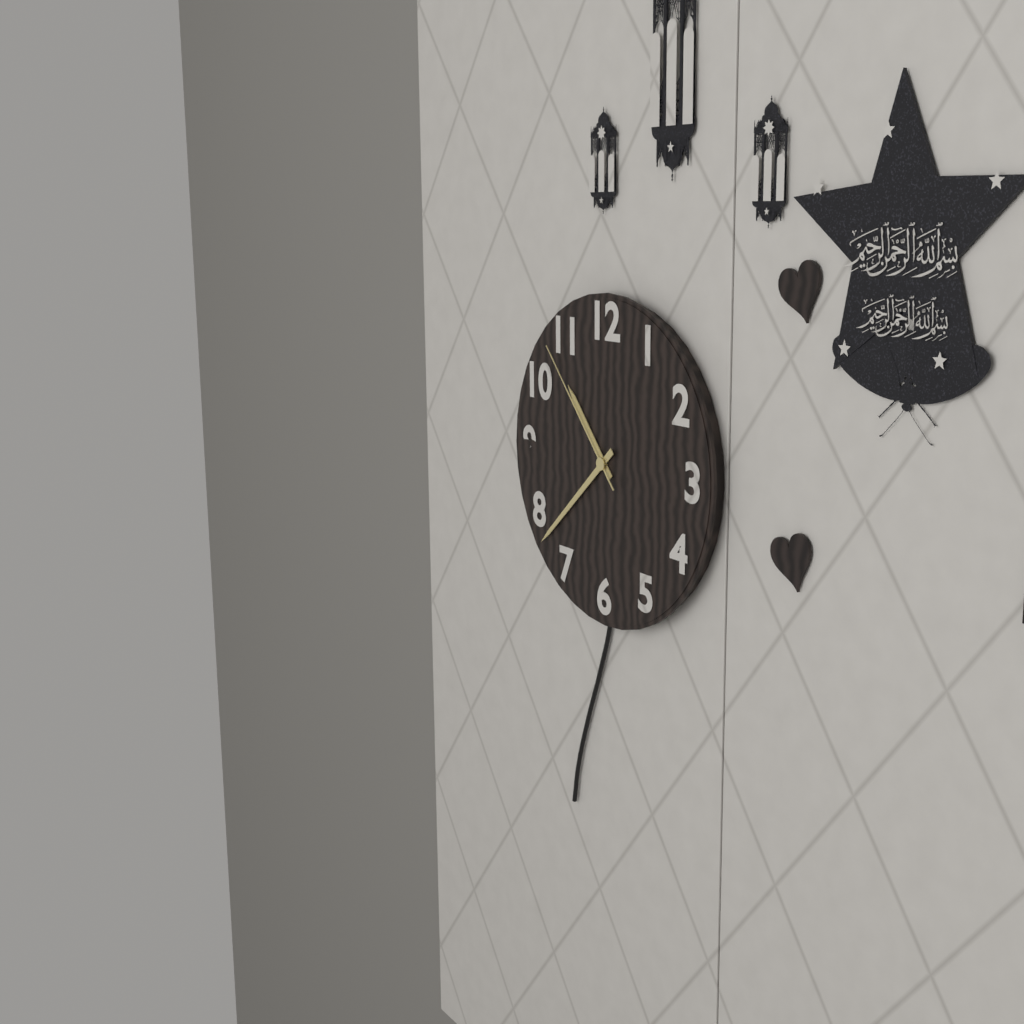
10:38:53
